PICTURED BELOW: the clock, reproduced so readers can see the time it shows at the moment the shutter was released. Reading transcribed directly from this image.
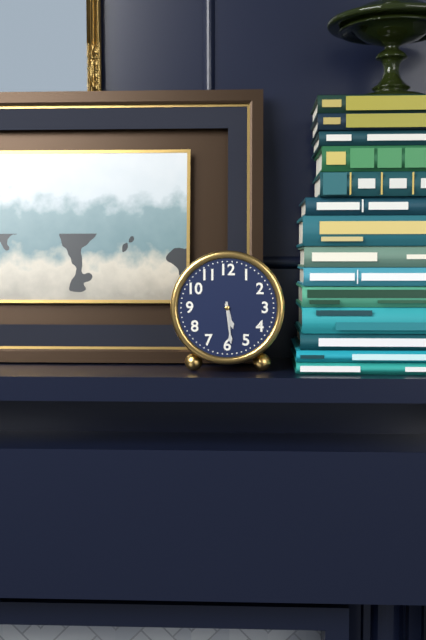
5:29
